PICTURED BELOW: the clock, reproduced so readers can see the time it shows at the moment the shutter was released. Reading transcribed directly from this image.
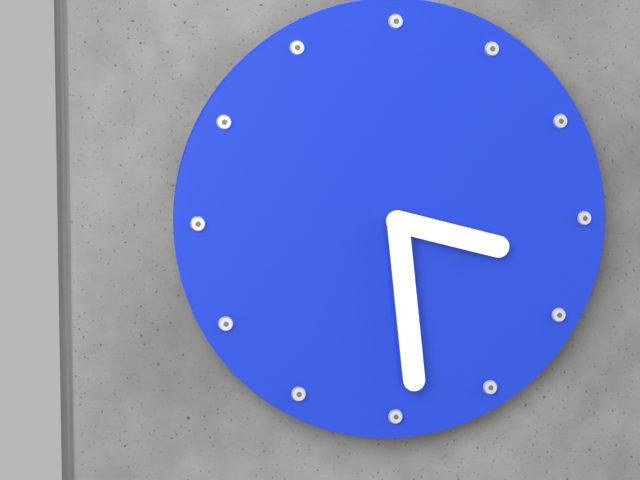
3:29
